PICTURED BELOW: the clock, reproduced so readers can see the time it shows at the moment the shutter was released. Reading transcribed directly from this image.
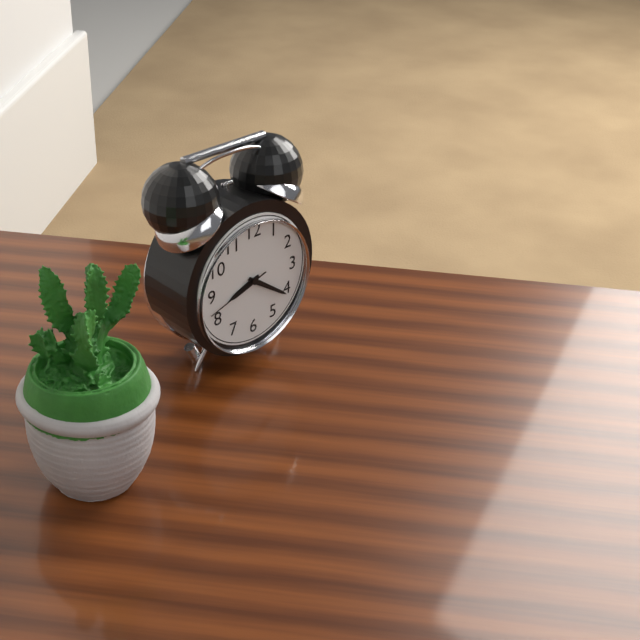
8:21:42
